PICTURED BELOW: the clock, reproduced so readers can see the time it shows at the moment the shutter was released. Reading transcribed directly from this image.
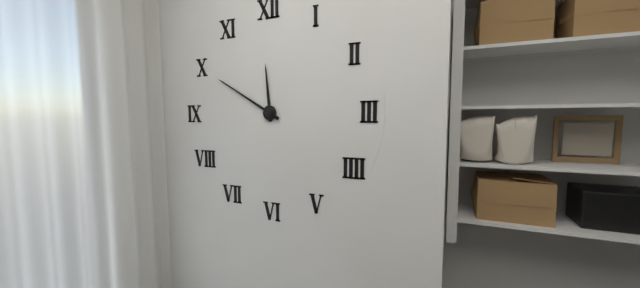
11:50
